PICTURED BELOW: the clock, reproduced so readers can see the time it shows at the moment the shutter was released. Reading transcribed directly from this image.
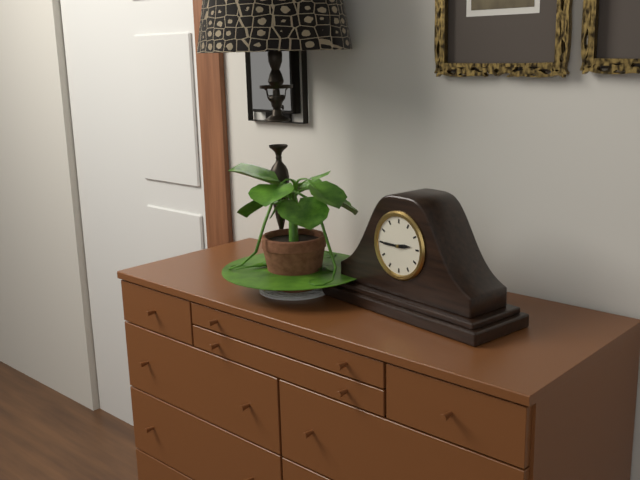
2:45
